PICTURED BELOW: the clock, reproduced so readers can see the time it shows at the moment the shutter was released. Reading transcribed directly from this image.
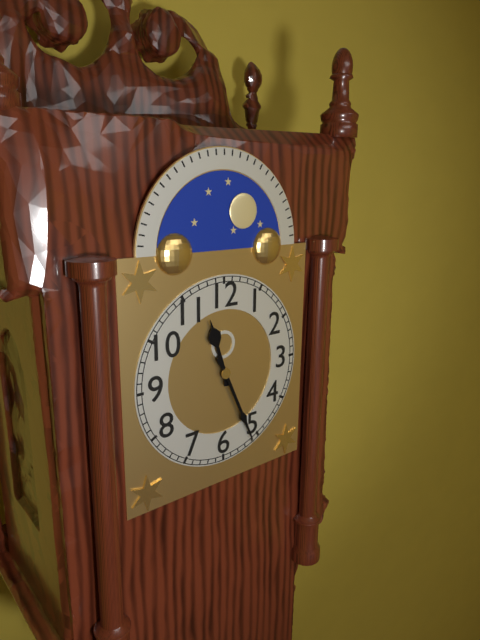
11:26
